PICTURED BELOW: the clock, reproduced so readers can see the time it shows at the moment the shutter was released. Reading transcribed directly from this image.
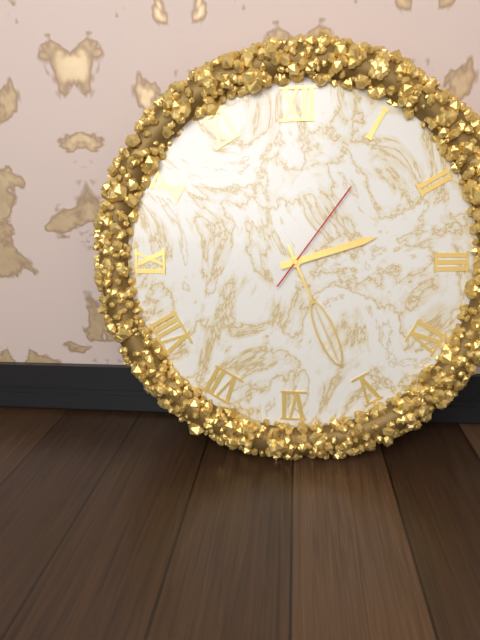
2:26:06
